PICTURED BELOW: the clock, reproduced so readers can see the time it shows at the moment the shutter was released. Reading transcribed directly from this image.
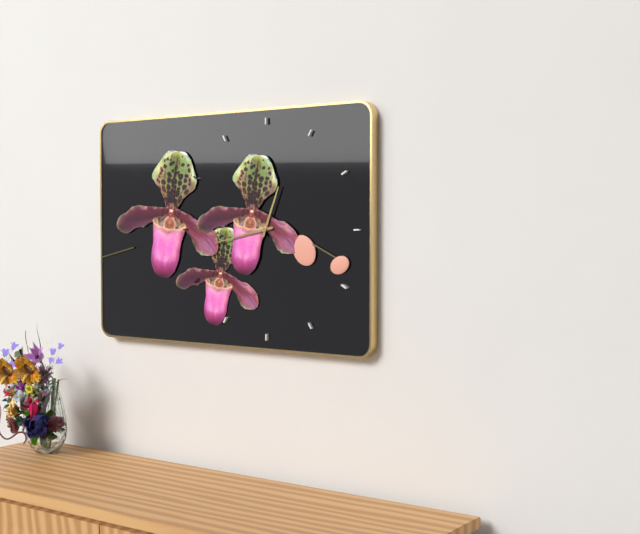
12:43
